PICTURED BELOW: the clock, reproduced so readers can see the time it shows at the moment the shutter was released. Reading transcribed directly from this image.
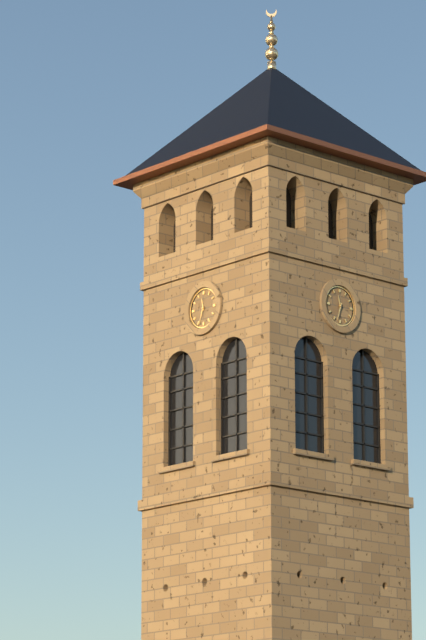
11:33
